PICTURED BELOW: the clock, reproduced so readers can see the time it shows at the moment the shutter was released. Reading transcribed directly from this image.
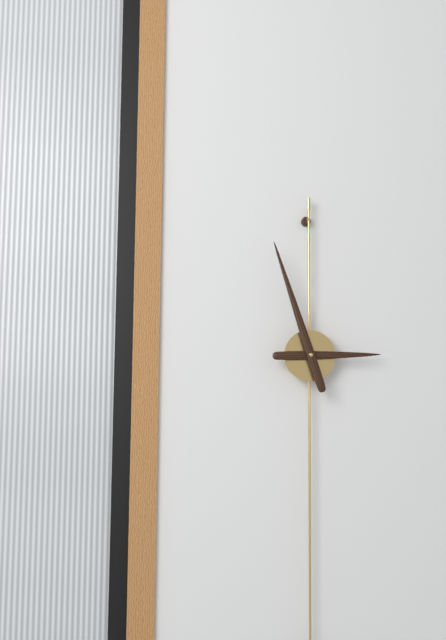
2:57
